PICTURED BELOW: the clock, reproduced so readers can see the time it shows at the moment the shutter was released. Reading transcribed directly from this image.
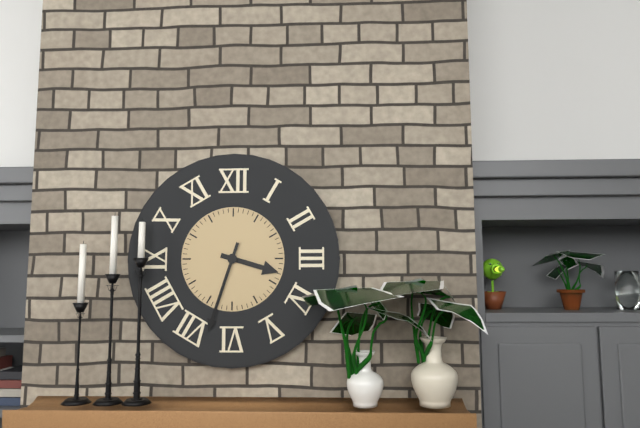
3:33
